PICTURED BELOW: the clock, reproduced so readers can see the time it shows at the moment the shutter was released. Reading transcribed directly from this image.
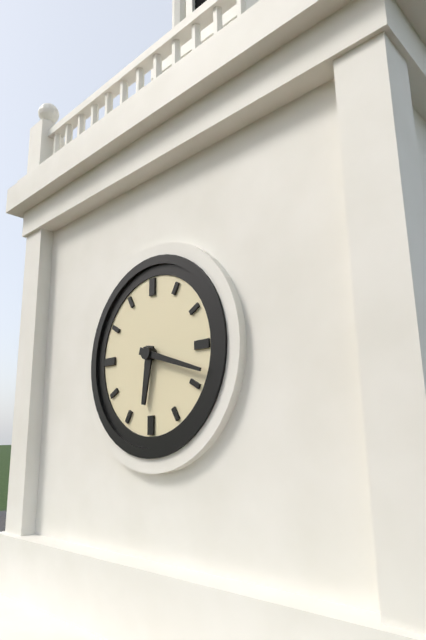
6:18
